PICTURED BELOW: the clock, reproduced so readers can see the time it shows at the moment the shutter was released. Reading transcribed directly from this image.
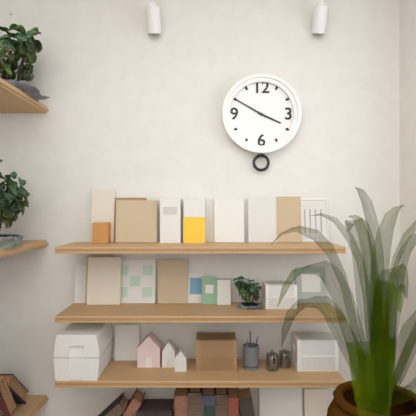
3:50
